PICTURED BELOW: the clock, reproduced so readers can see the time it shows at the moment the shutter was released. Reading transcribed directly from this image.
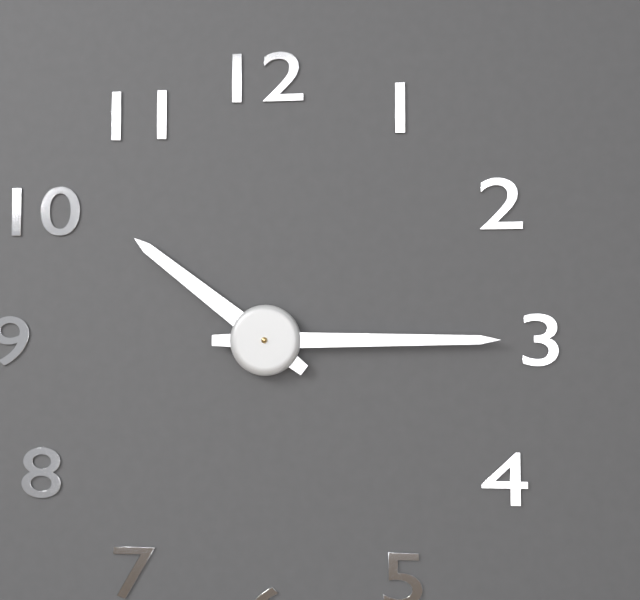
10:15
